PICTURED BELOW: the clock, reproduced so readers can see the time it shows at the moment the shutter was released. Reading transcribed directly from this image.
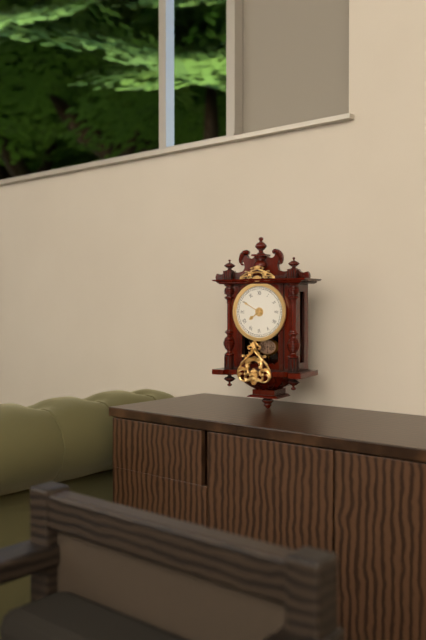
7:50
